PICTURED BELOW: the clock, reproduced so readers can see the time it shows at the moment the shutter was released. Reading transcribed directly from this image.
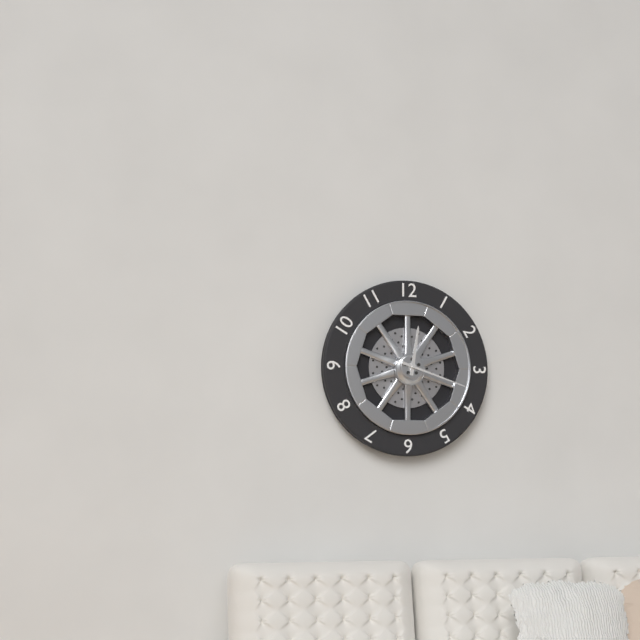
12:18
